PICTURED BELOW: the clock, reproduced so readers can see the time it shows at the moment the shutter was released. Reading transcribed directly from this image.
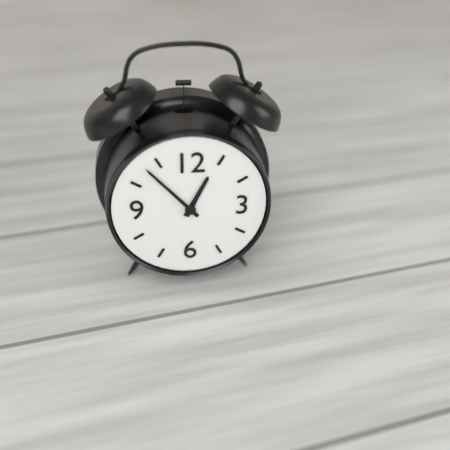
12:53
